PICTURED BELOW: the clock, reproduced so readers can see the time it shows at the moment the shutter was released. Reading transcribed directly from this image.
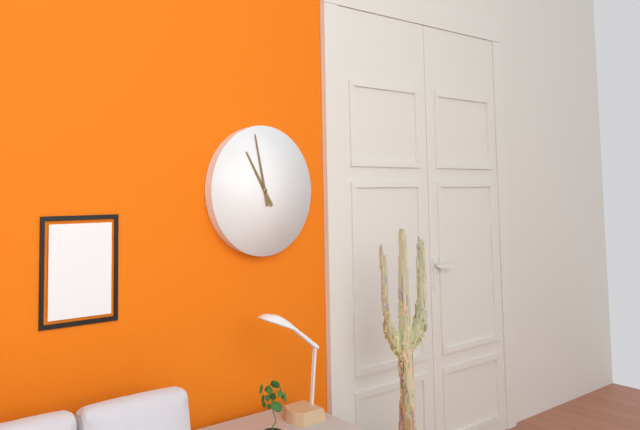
10:58
